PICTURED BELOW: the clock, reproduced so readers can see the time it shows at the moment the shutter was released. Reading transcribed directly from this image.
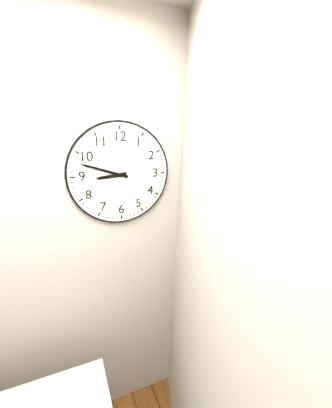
8:48
